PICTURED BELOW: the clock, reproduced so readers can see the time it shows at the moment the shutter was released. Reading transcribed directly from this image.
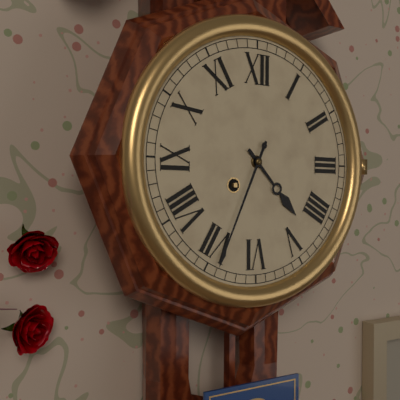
4:34
